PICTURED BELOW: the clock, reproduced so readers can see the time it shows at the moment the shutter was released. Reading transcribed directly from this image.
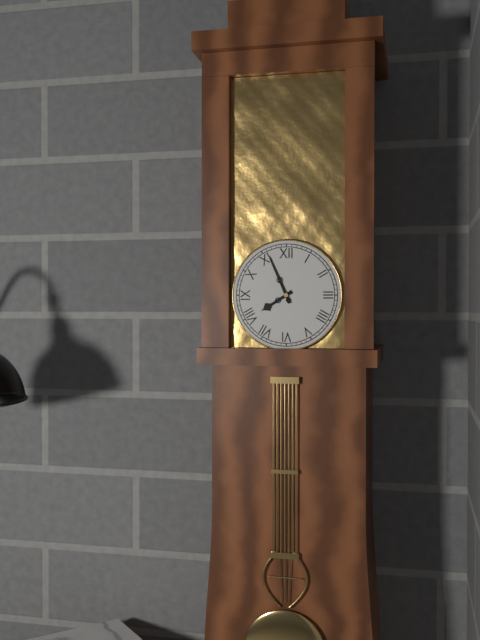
7:56
